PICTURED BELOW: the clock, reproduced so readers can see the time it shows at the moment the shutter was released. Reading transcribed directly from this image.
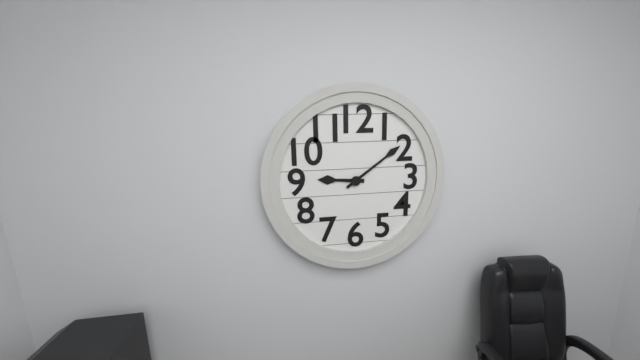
9:09
